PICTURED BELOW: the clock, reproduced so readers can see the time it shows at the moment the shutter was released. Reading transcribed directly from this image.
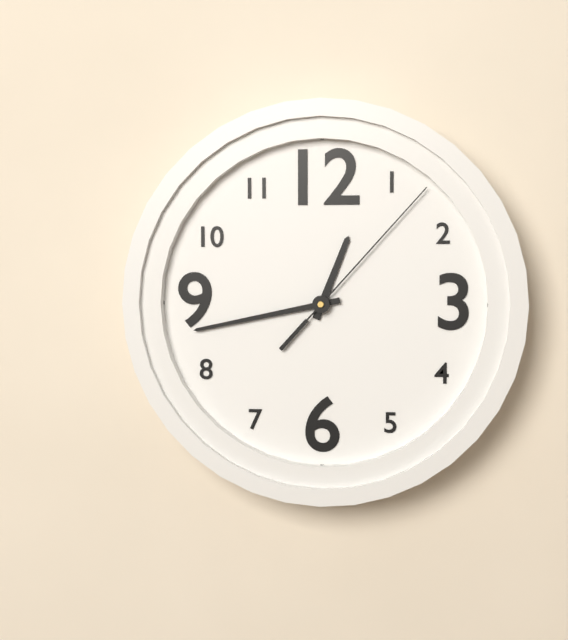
12:43:07
